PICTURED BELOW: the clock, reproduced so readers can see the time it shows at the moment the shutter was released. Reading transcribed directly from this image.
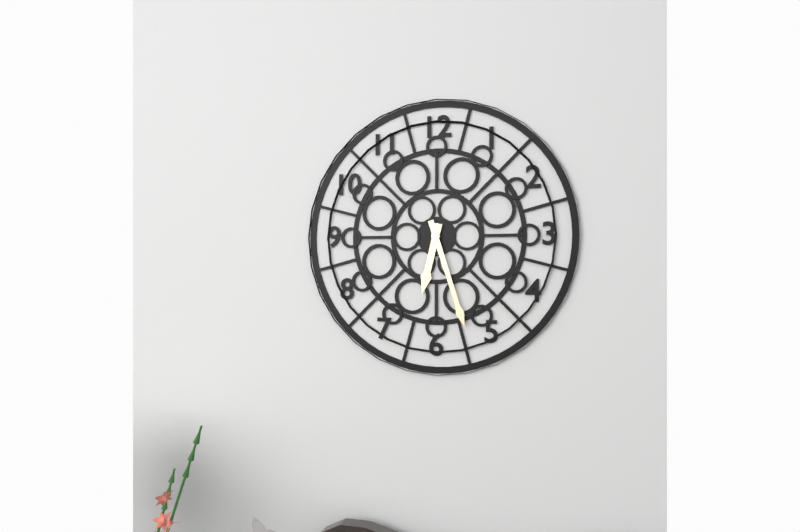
6:27
